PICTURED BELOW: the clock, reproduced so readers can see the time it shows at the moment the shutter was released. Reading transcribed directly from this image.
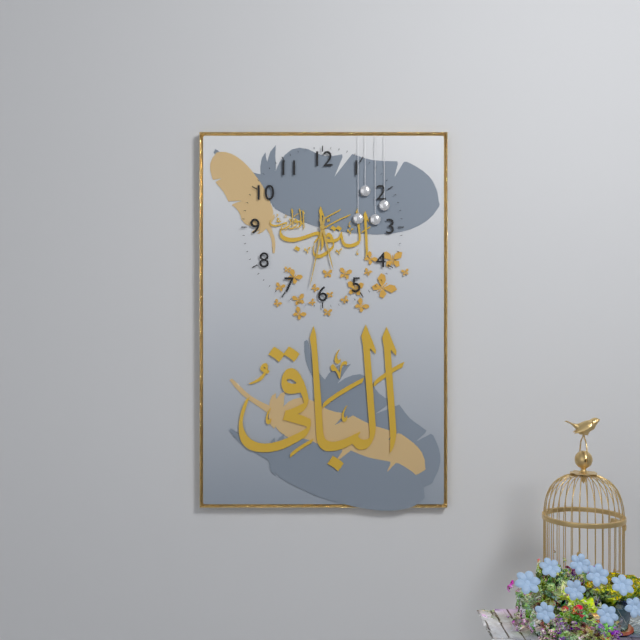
5:32
